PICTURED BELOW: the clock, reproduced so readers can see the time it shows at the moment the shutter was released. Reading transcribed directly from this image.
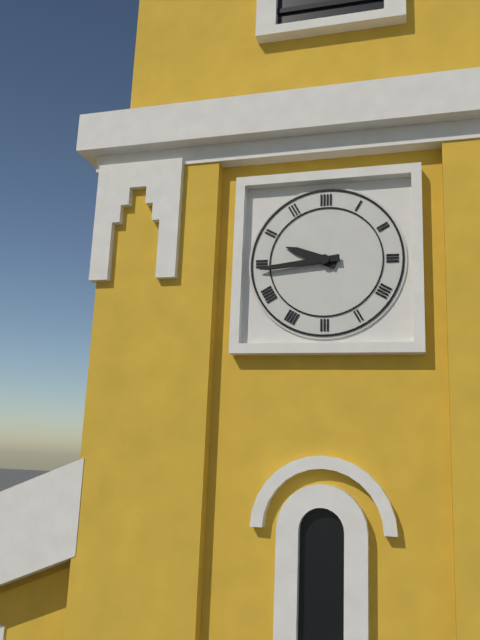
9:44
